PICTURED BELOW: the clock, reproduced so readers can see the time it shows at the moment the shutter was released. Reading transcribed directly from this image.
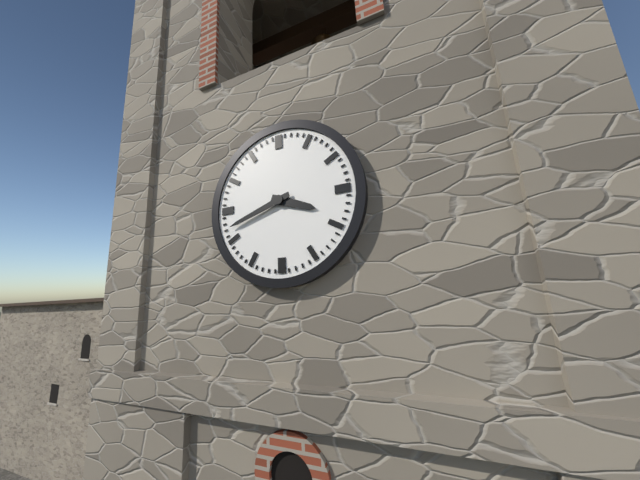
3:42
